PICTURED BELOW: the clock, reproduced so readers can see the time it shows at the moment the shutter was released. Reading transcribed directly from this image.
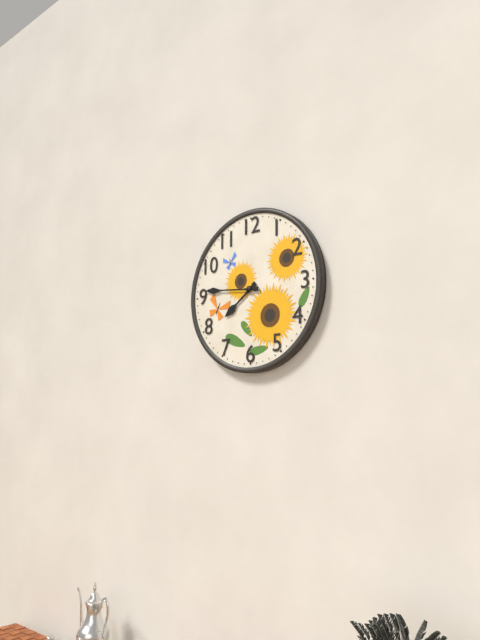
7:46
